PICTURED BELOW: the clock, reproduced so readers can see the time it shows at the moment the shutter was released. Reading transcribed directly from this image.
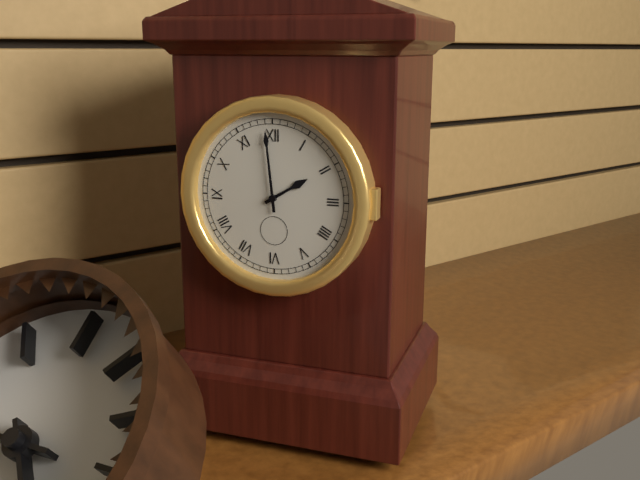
1:59
